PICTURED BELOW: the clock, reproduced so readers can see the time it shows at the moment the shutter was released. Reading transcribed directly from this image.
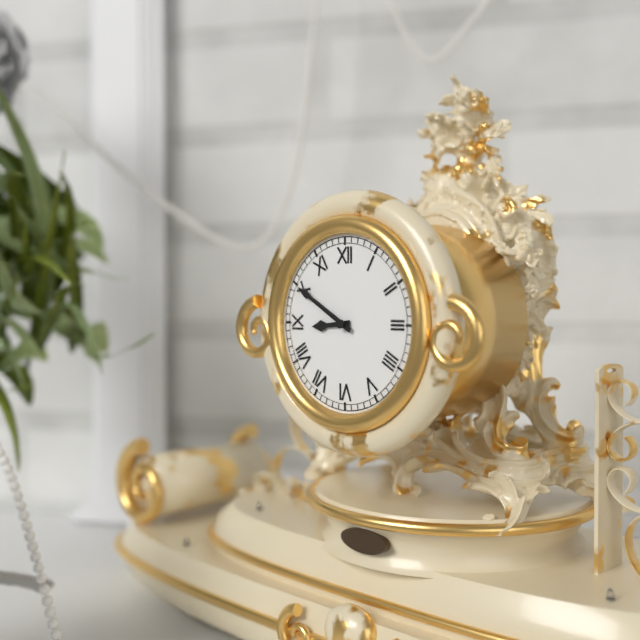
8:50
